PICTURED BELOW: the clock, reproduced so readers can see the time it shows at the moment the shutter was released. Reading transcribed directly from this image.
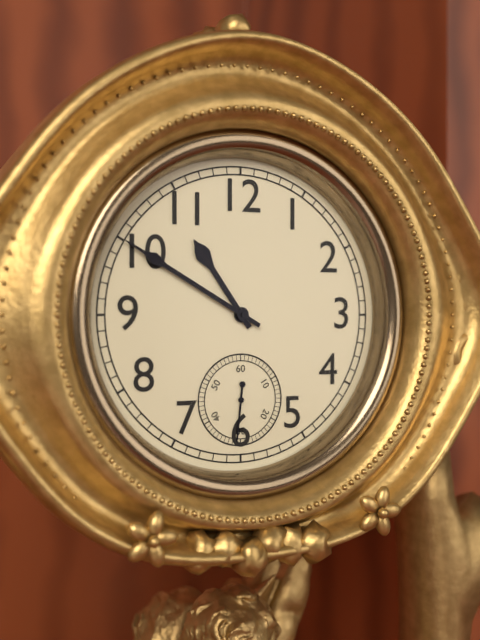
10:50:31
